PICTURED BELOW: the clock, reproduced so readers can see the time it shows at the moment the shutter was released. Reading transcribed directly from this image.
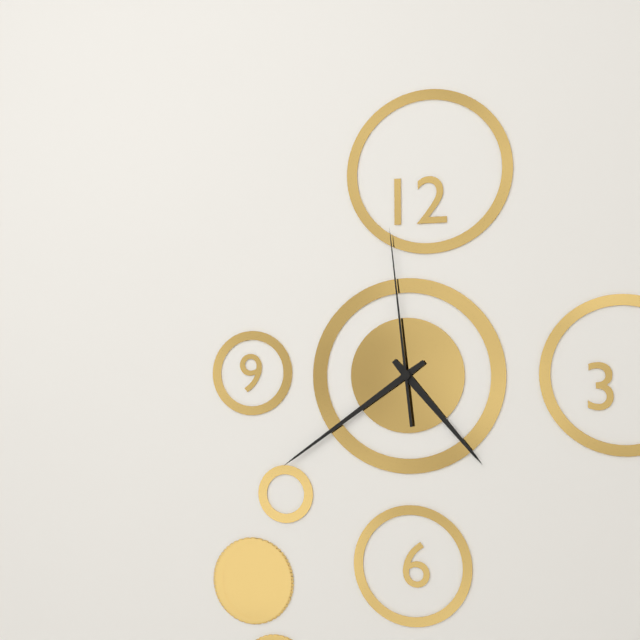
4:39:59
